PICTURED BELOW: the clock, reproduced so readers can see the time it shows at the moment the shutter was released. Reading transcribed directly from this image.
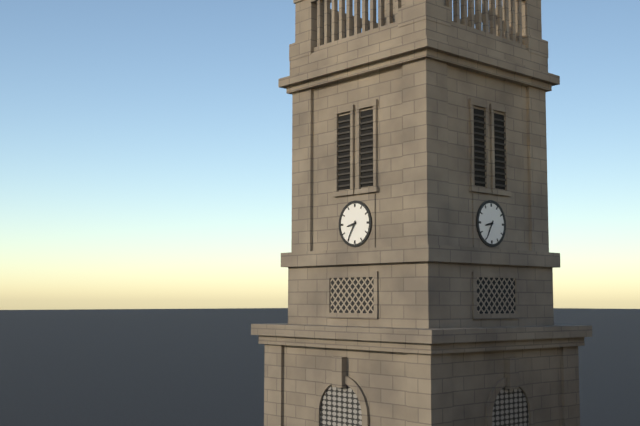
8:35
